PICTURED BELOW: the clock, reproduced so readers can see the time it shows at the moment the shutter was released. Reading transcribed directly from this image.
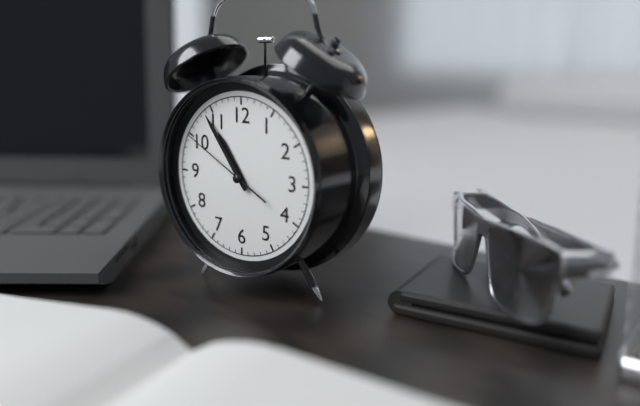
10:54:50
